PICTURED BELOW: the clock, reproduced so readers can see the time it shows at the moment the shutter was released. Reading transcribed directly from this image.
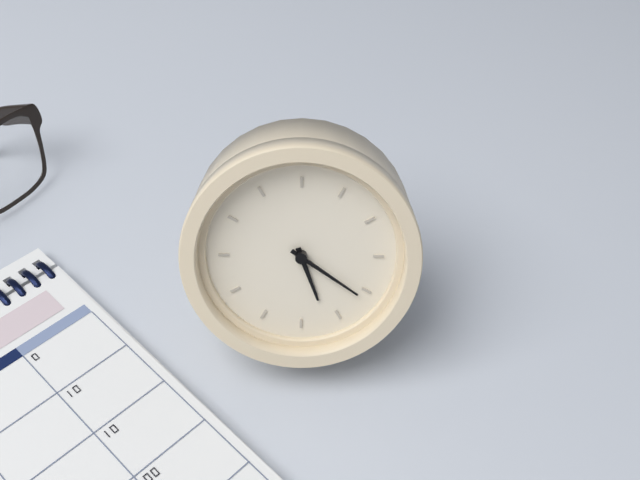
5:21
